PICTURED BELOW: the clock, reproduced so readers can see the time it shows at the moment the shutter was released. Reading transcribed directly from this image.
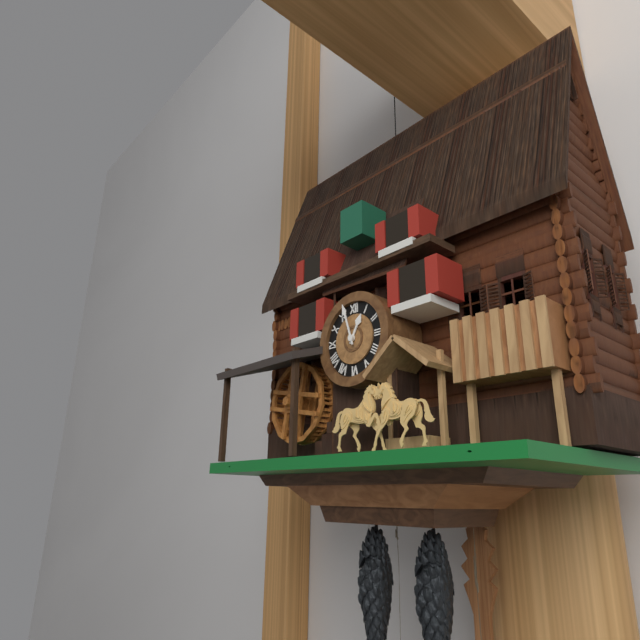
12:57
